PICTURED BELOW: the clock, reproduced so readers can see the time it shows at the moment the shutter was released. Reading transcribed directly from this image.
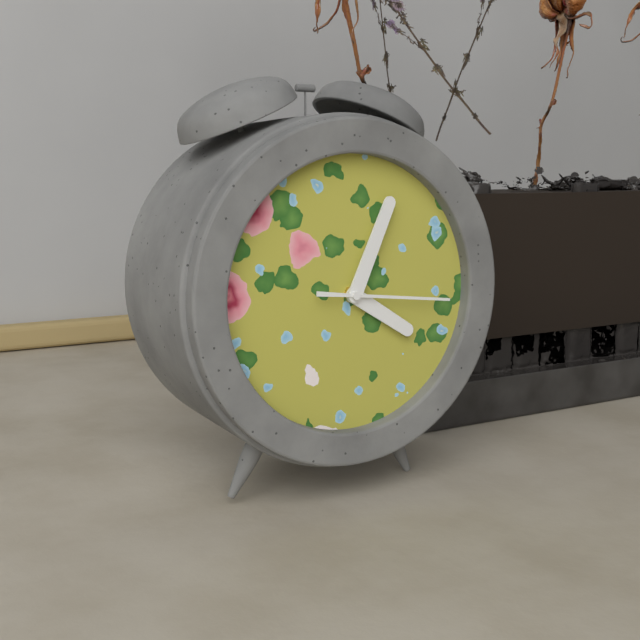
4:04:16
